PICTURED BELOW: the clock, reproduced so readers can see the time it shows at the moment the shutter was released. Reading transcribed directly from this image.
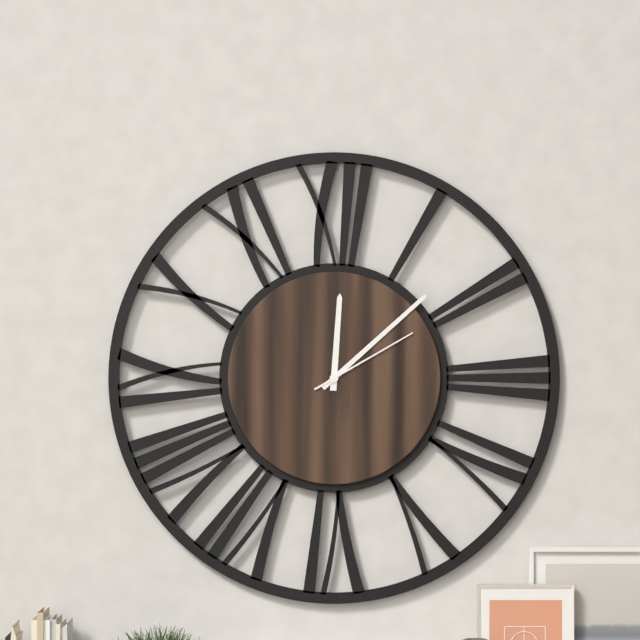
12:08:10
